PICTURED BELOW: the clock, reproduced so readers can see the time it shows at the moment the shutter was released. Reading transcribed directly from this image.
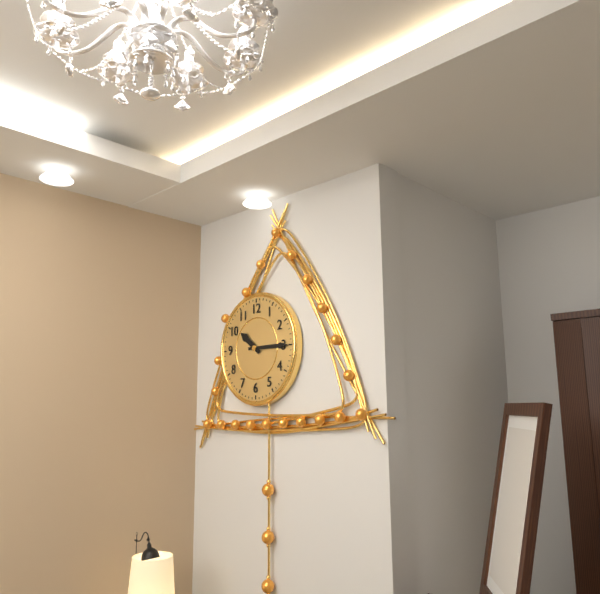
10:15
